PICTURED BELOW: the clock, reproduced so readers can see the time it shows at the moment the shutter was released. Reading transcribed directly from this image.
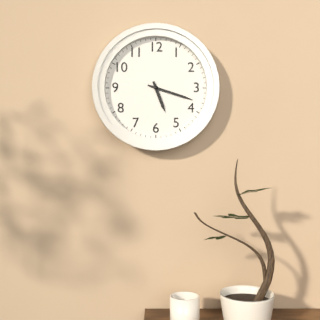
5:18
